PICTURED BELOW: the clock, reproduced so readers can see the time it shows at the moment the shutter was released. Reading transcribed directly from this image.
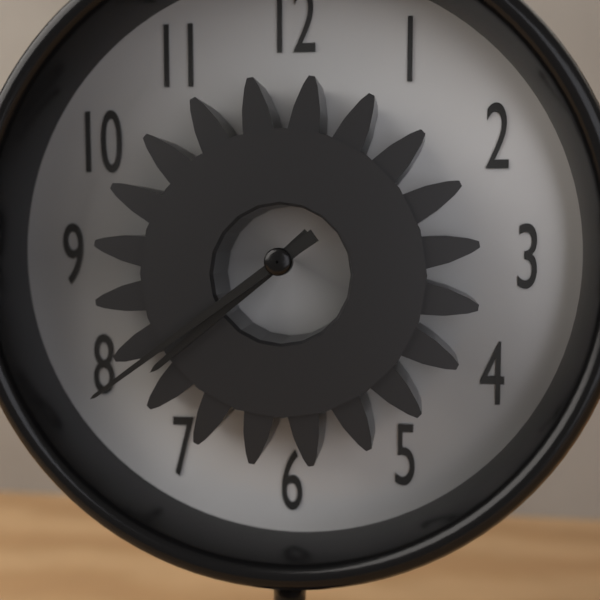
7:39
